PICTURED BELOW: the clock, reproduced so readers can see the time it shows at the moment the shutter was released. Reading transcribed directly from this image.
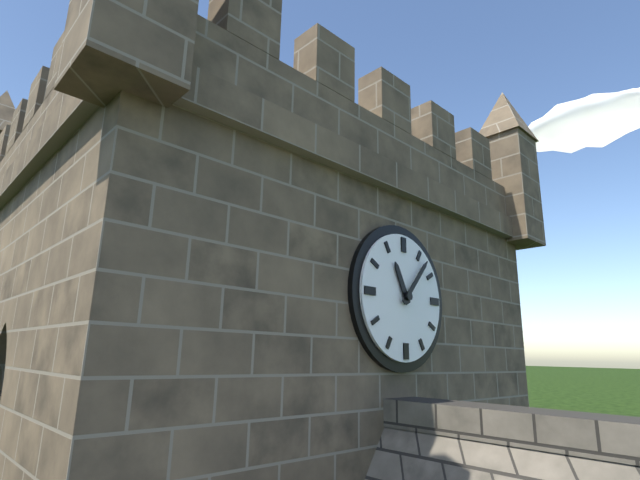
11:07
